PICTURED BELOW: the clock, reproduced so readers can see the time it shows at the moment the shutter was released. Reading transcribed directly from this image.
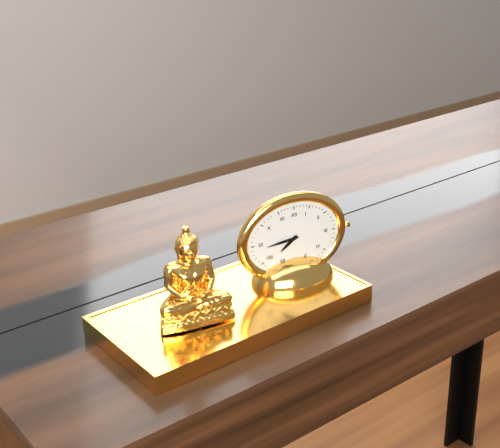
7:44
